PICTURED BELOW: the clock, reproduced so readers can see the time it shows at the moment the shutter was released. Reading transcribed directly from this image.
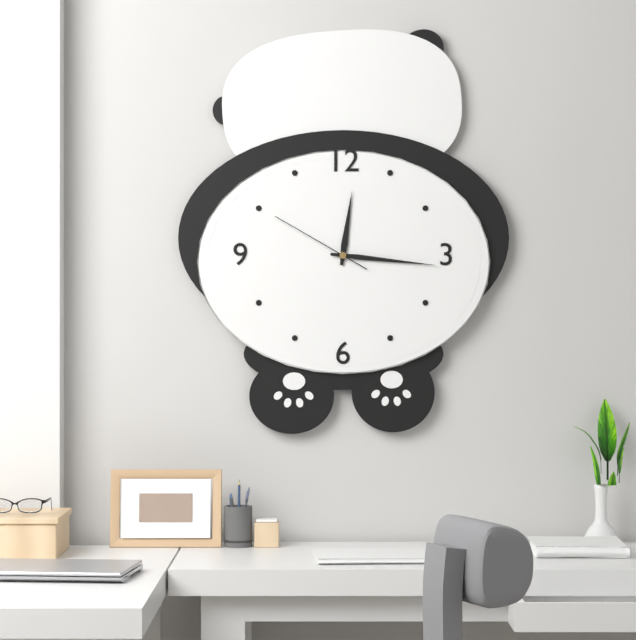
12:16:50
